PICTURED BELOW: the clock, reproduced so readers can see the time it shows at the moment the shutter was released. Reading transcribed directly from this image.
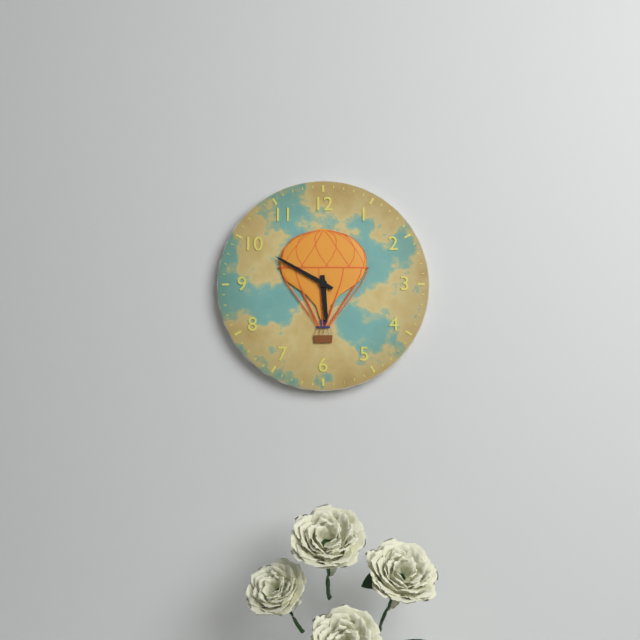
5:50
